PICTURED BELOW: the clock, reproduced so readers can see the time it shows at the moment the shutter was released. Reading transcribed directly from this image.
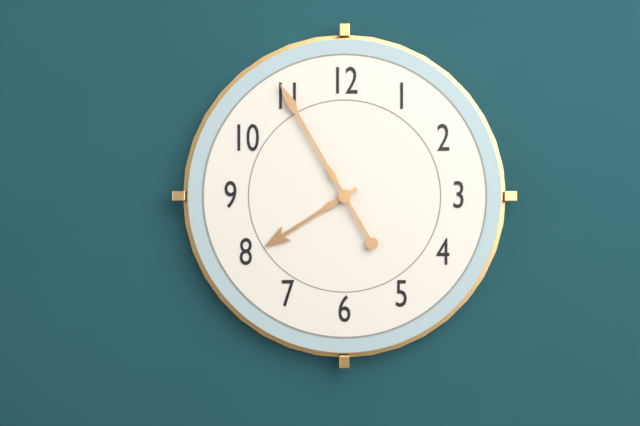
7:55
